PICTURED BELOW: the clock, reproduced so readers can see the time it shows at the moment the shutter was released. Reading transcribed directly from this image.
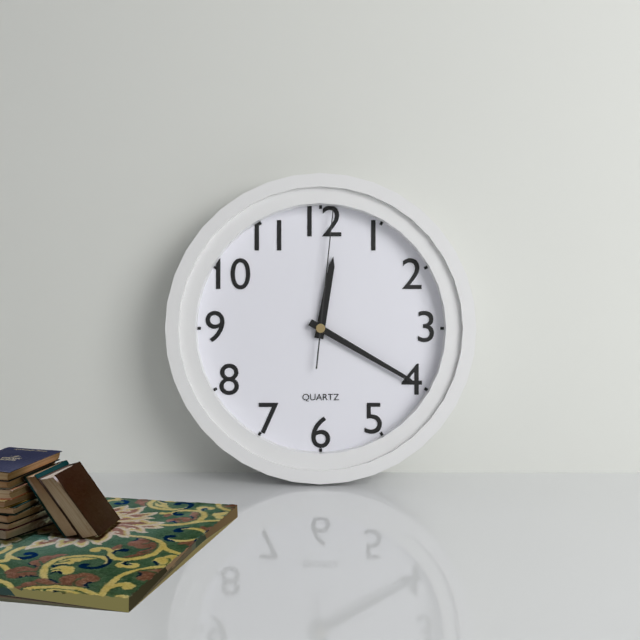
12:20:01
